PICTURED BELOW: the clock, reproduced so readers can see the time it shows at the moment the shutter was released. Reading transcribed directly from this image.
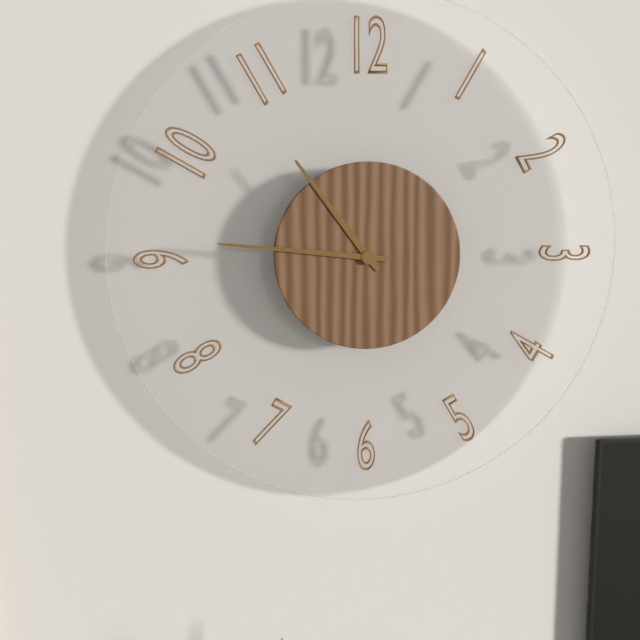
10:46
